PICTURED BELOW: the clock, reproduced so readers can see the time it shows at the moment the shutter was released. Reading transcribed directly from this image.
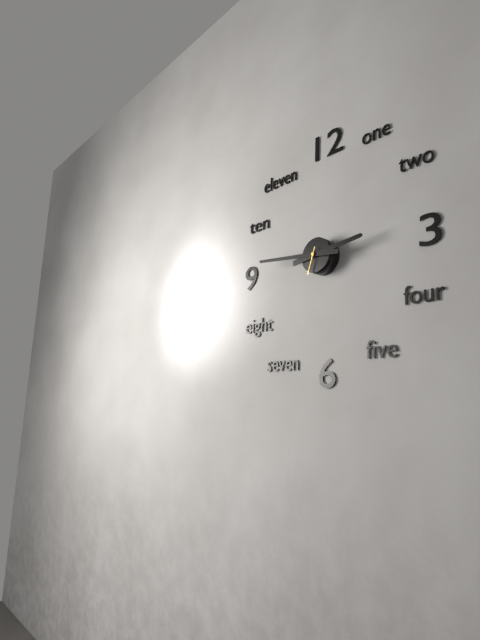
2:46
